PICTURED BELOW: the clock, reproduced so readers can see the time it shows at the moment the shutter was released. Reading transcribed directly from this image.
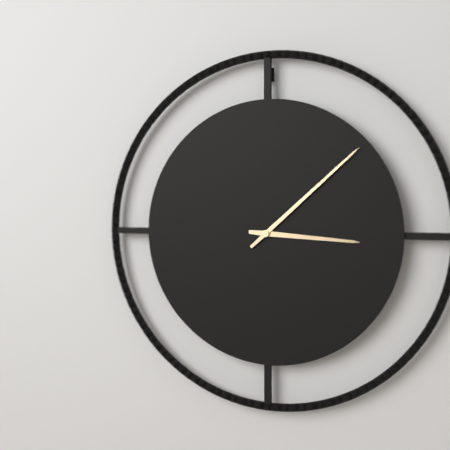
3:08
